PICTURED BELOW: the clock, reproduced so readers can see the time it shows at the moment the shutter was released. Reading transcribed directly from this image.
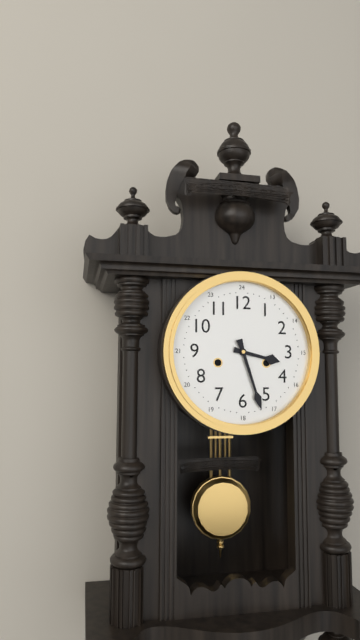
3:27
